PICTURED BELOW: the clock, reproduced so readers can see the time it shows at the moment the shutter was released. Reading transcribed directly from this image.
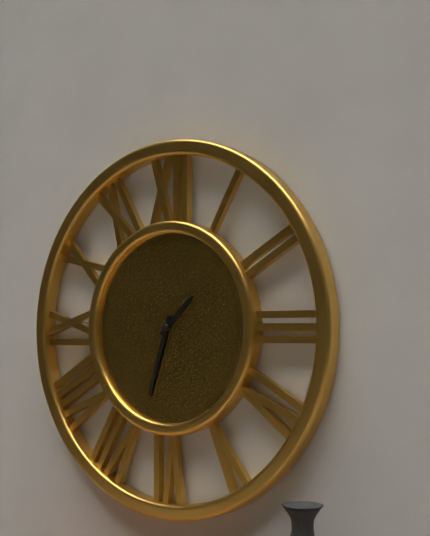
1:33
